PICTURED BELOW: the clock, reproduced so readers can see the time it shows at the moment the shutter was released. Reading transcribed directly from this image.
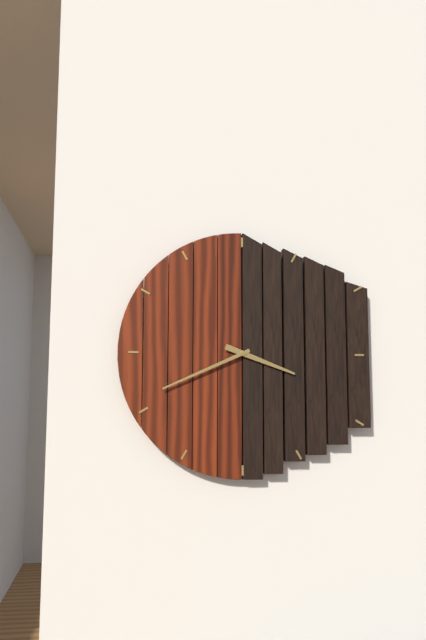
3:41
